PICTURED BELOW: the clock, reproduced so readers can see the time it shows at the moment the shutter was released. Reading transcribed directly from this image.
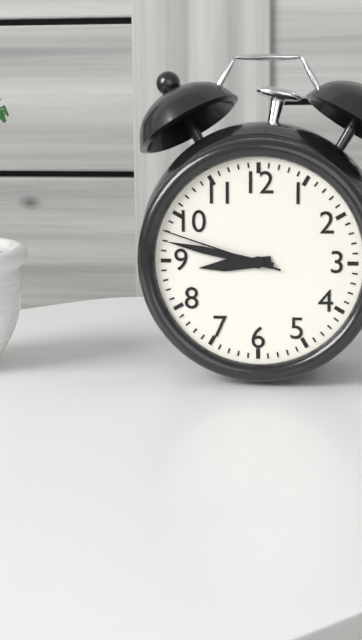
8:47:48
